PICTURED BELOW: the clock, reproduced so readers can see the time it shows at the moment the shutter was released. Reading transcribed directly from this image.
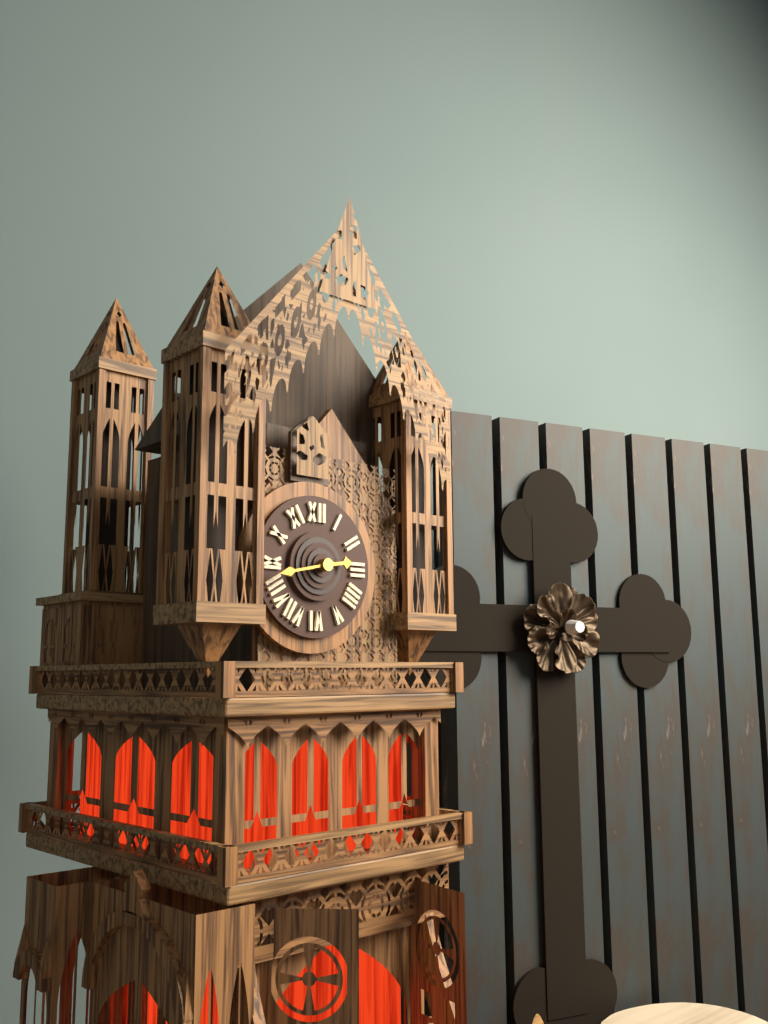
2:43
